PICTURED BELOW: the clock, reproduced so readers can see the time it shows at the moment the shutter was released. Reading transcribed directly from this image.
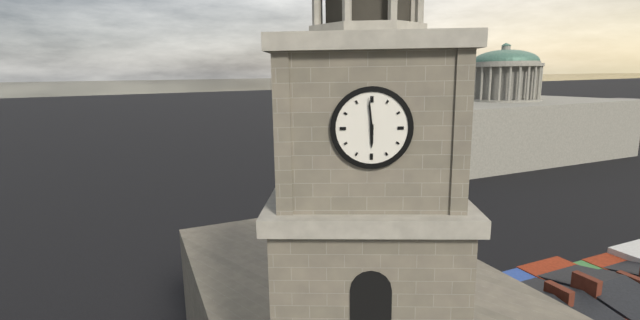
5:59
